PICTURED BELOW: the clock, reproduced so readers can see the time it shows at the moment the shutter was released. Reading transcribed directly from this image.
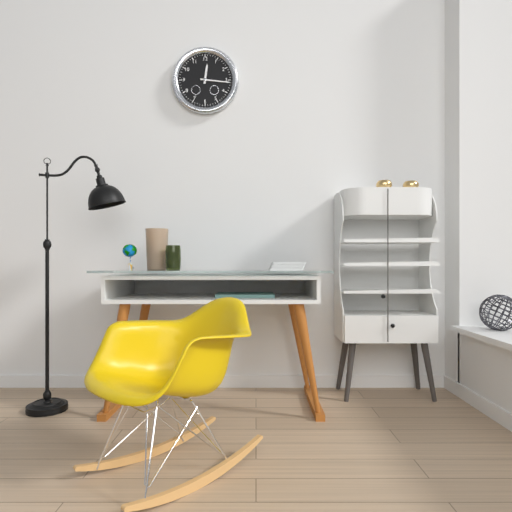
12:16
